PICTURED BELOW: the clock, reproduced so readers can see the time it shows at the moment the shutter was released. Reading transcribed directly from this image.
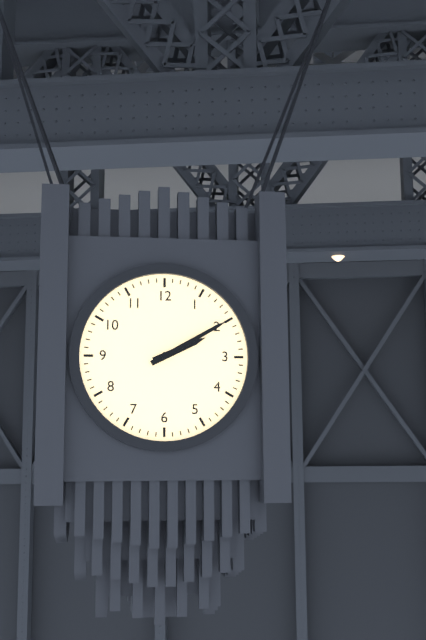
2:10
